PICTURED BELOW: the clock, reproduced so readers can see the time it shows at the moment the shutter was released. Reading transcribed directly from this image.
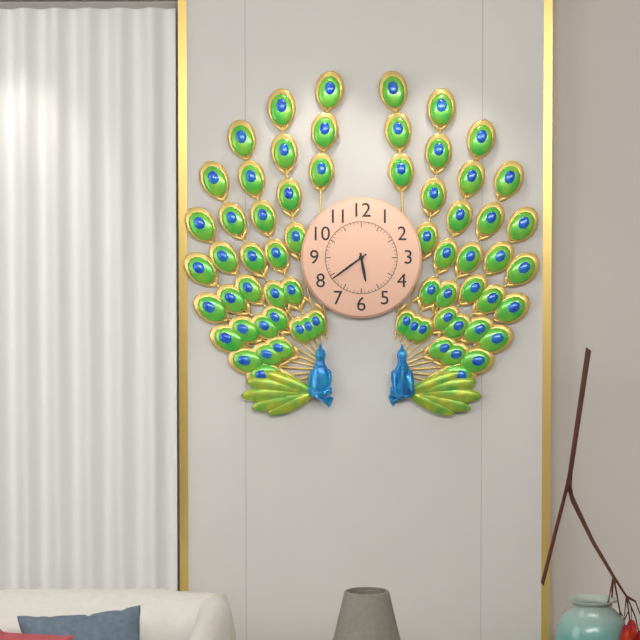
5:39
